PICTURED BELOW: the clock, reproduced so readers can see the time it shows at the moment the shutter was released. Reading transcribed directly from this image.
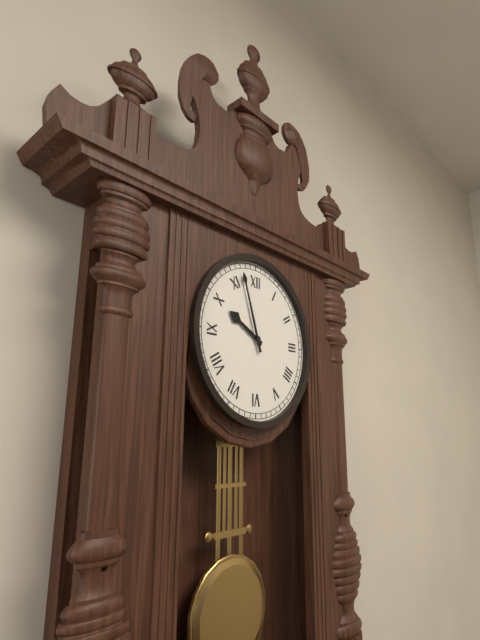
9:57
